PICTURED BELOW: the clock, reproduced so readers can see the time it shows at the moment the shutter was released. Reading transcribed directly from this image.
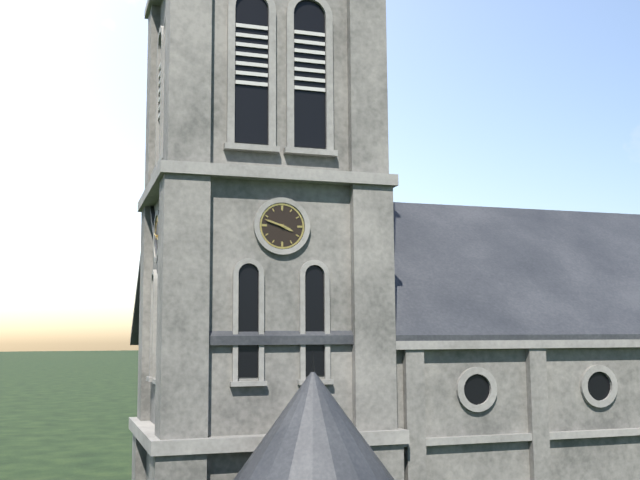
3:48
